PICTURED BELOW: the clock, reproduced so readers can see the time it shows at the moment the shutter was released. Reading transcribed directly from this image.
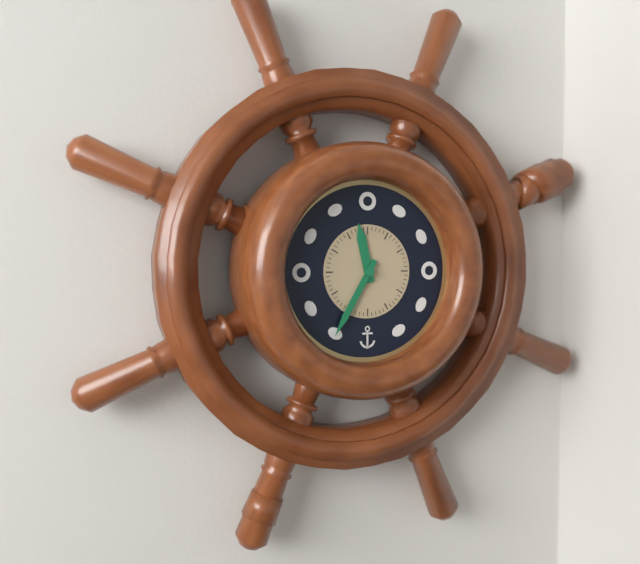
11:35
